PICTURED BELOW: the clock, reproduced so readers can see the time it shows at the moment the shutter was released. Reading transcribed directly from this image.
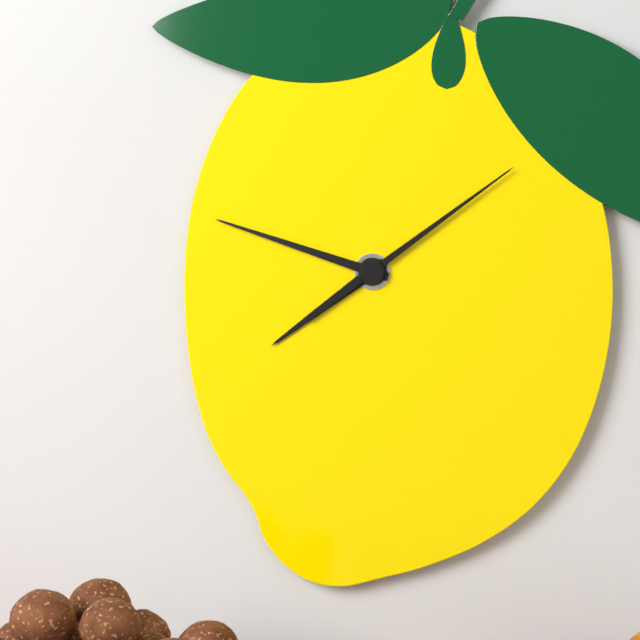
7:48:09
